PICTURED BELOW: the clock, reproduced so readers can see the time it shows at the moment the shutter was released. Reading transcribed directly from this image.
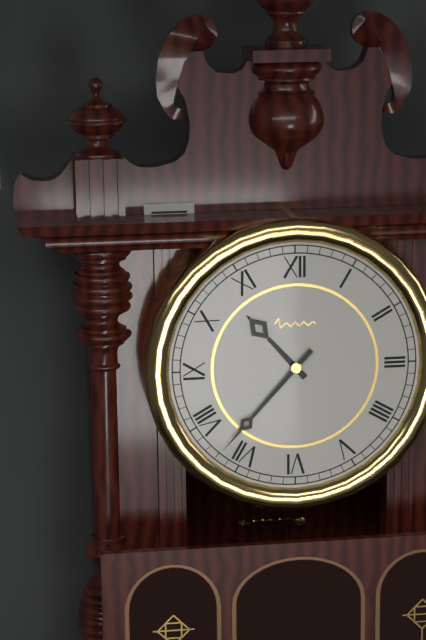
10:37
